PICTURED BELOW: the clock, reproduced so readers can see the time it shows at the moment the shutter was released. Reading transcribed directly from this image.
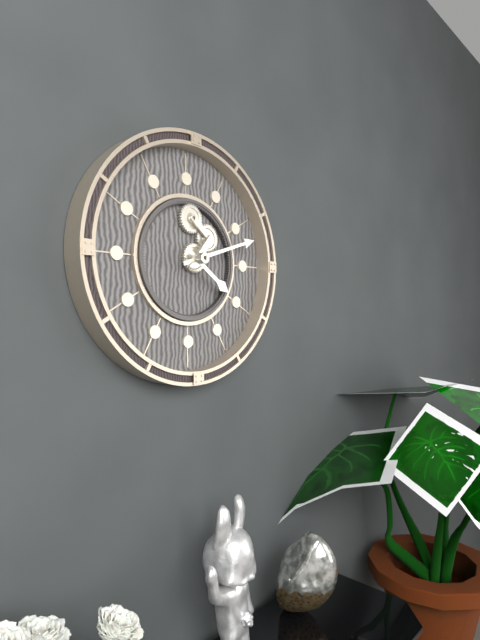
4:12
